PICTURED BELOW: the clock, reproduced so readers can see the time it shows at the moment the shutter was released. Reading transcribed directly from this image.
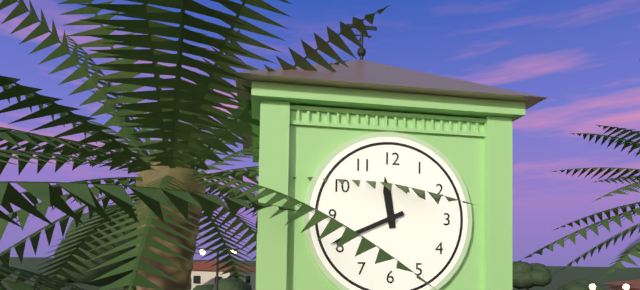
11:41
